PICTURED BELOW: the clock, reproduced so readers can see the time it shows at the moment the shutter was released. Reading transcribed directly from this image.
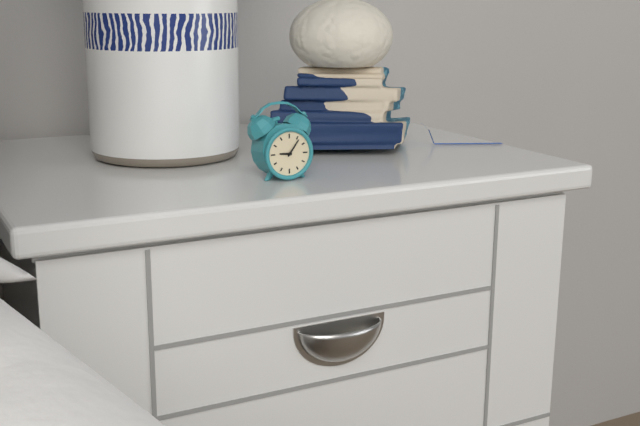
9:06
